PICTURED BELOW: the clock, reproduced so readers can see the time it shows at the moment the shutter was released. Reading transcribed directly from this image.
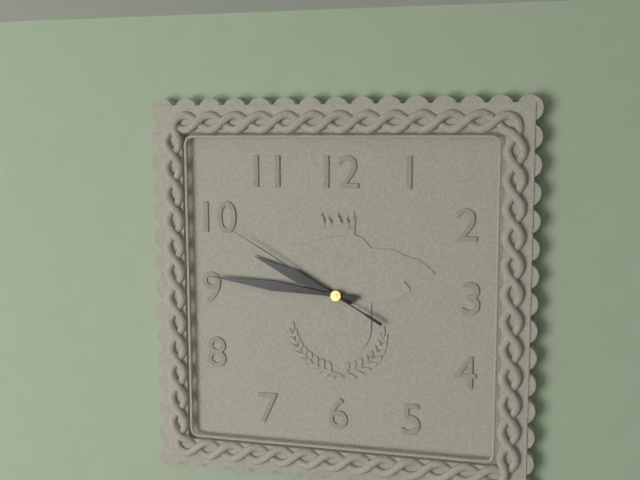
9:46:50
